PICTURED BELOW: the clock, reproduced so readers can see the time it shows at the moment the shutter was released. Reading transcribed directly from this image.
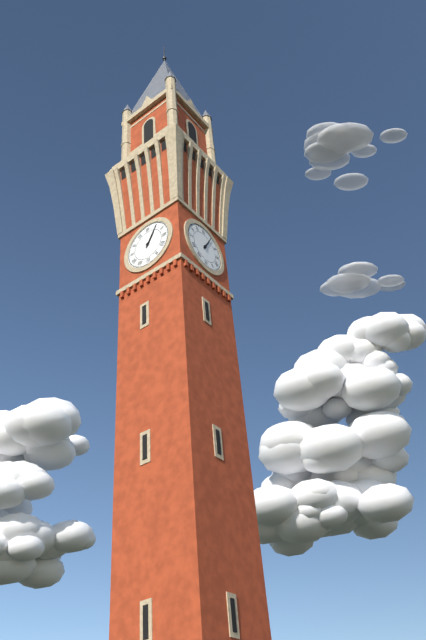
1:05
